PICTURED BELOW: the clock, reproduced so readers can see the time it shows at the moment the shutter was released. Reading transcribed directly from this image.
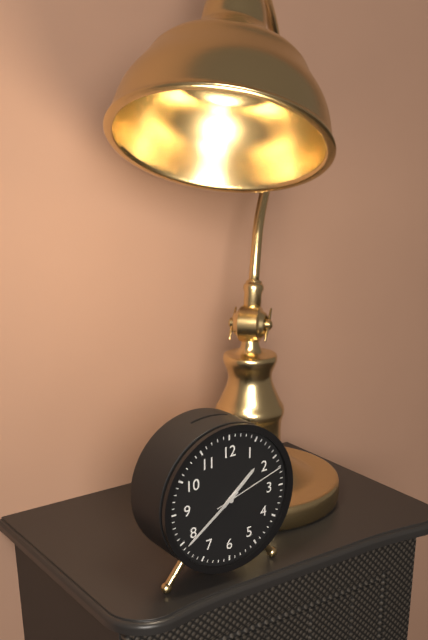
1:39:12
